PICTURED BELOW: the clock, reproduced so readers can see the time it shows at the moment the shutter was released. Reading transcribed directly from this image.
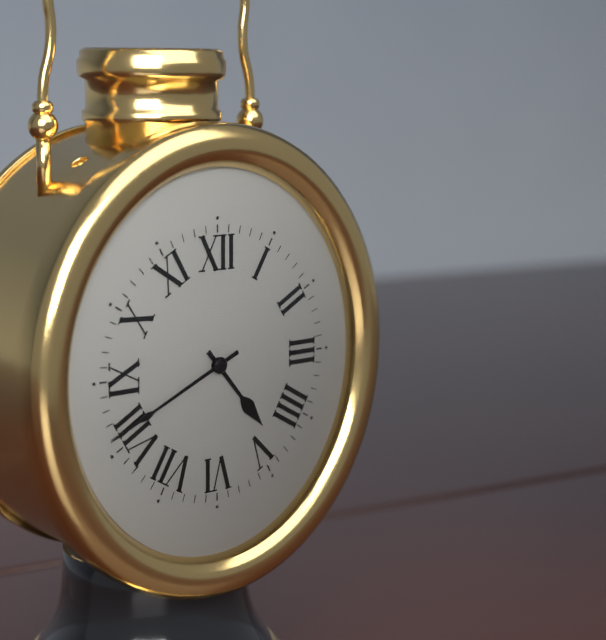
4:41
